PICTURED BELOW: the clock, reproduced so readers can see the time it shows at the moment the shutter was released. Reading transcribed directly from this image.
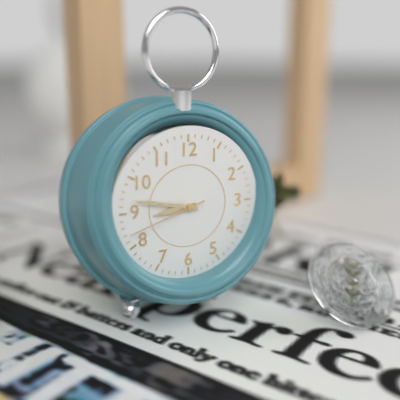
8:47:42
